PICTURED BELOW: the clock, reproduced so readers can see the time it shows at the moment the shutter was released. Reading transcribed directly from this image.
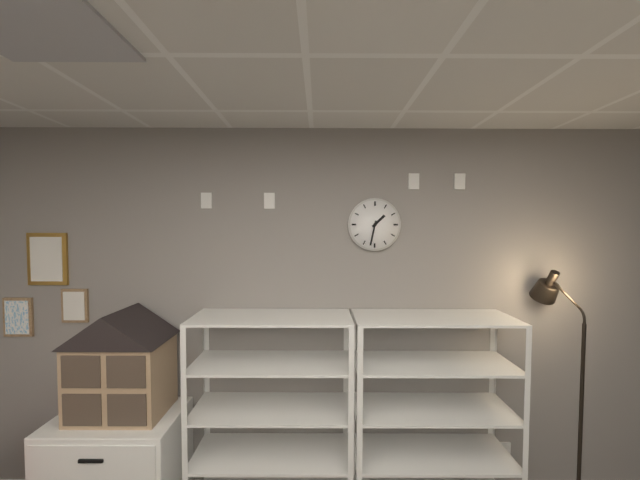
1:32
